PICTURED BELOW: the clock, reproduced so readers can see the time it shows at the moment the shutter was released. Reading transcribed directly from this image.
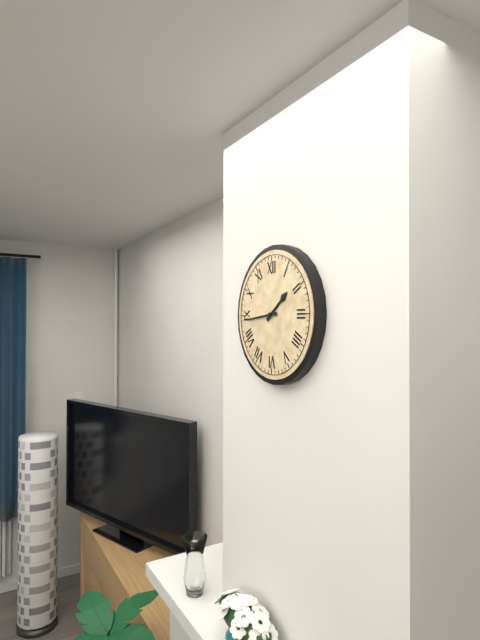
1:44
